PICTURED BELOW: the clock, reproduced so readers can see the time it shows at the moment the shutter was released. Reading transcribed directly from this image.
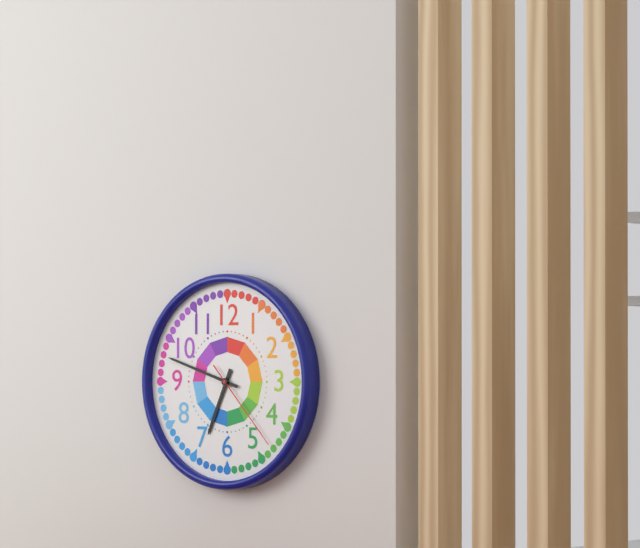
6:48:23
